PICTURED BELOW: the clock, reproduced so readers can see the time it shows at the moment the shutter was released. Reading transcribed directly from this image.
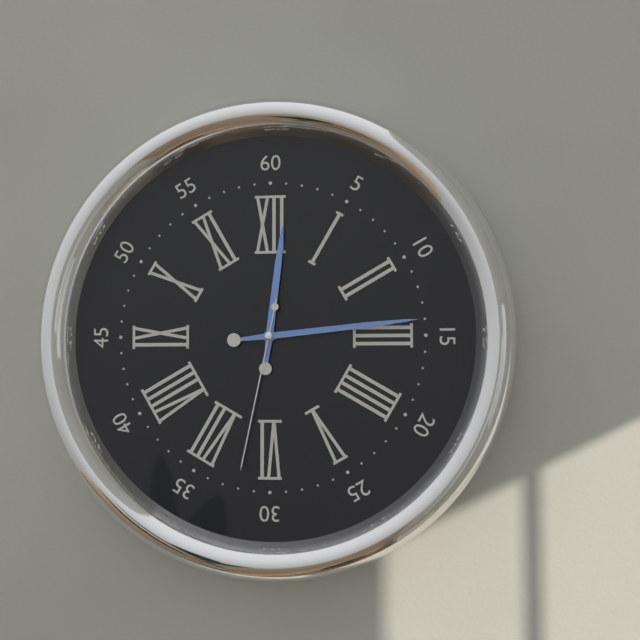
12:14:32
